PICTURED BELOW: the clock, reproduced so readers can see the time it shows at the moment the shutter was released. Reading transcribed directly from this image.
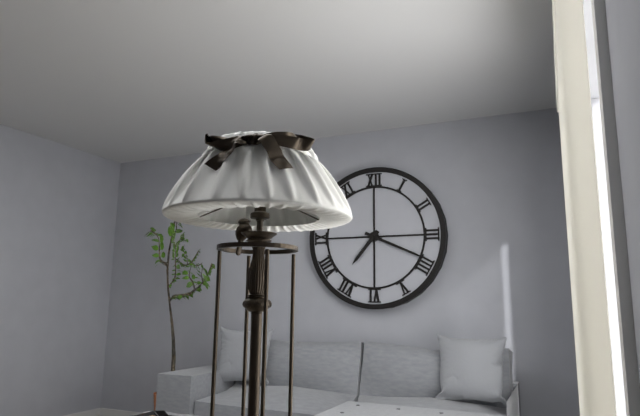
7:19
